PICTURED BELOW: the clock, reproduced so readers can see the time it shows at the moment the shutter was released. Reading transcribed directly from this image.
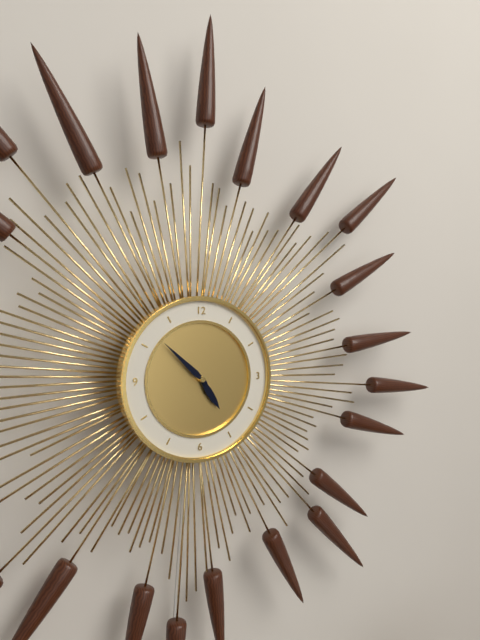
4:52
